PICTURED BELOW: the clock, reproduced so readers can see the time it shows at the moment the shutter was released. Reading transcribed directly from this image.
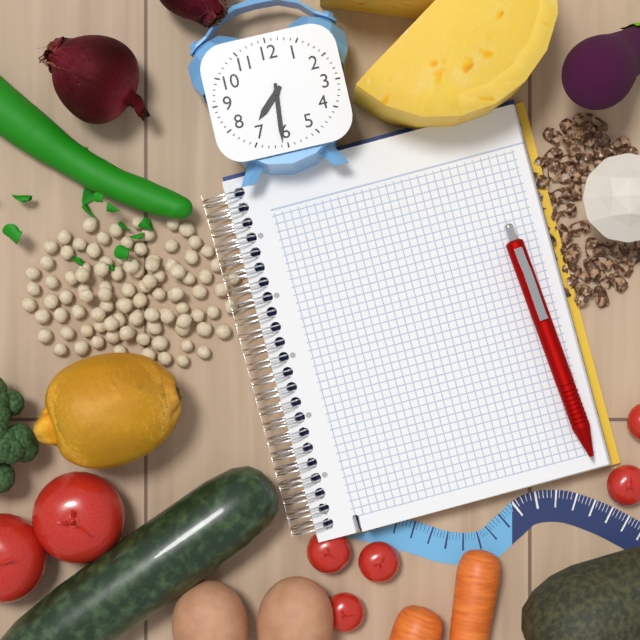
7:31
